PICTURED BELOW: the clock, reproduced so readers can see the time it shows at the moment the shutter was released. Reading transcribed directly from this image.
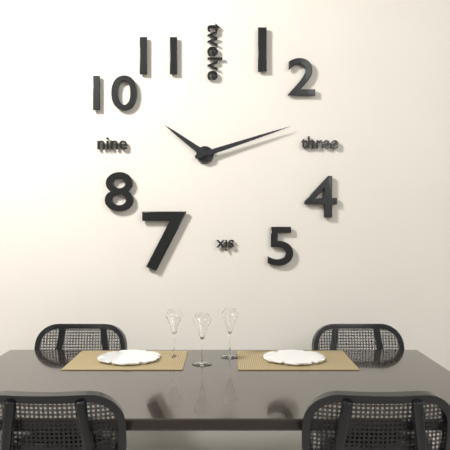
10:12
